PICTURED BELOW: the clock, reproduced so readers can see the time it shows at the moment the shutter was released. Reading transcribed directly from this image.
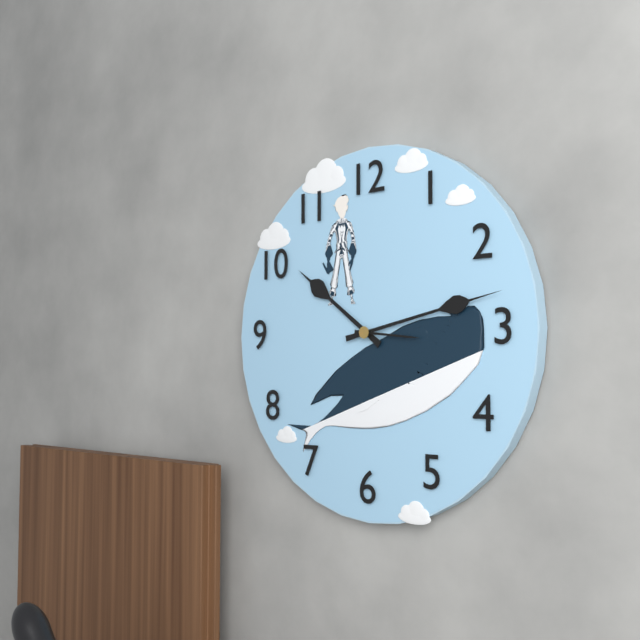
10:13:16
